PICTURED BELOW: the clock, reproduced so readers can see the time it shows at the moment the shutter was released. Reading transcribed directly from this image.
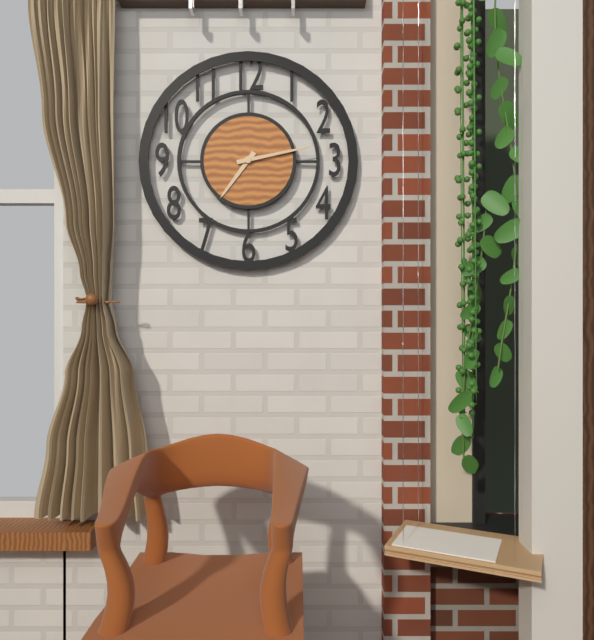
7:13
